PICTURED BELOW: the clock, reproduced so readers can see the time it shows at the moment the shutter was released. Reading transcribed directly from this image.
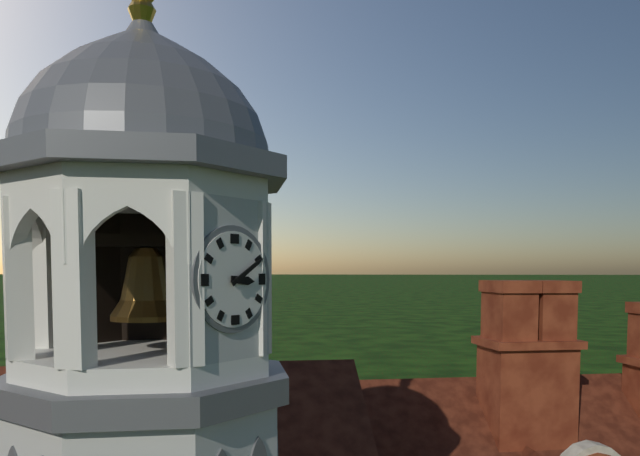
3:10
